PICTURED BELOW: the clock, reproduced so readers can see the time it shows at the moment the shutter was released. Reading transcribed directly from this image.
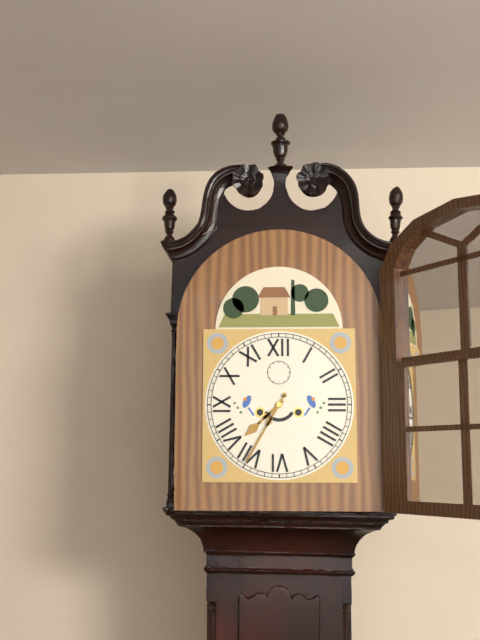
7:35
